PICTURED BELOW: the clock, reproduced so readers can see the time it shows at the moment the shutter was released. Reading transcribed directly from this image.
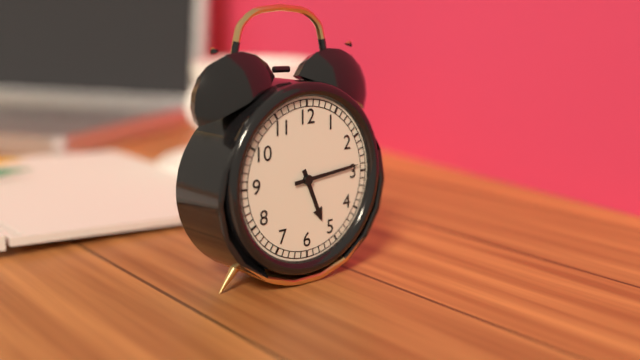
5:14
